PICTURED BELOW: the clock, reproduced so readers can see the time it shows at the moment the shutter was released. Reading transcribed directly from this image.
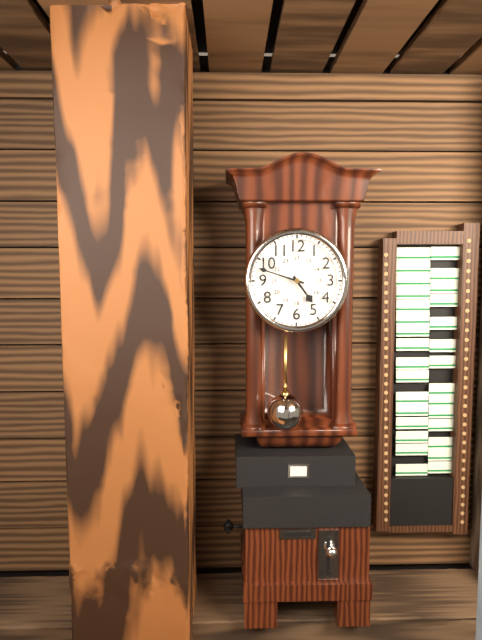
4:48
